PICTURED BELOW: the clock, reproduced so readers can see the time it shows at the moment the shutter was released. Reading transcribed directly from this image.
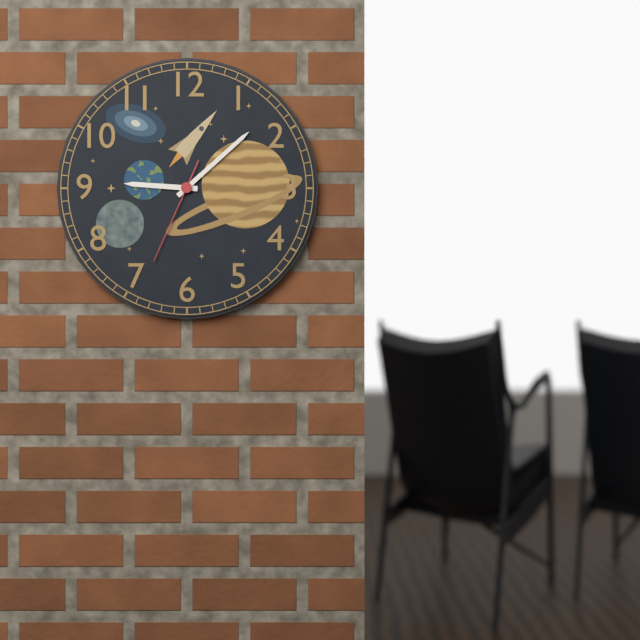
9:08:34
